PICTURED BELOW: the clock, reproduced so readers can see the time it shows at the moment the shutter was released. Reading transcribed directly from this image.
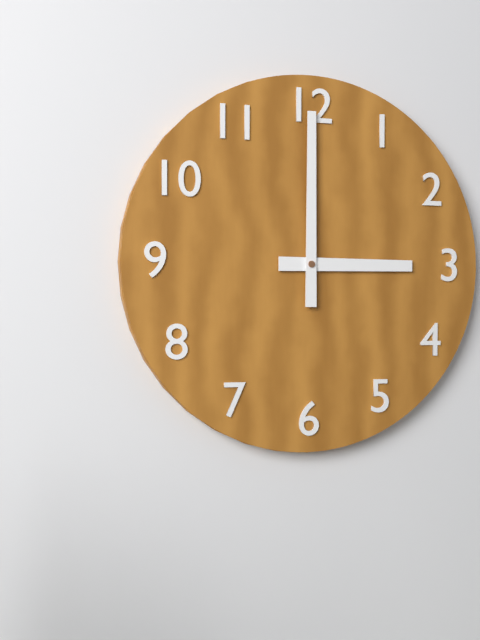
3:00
